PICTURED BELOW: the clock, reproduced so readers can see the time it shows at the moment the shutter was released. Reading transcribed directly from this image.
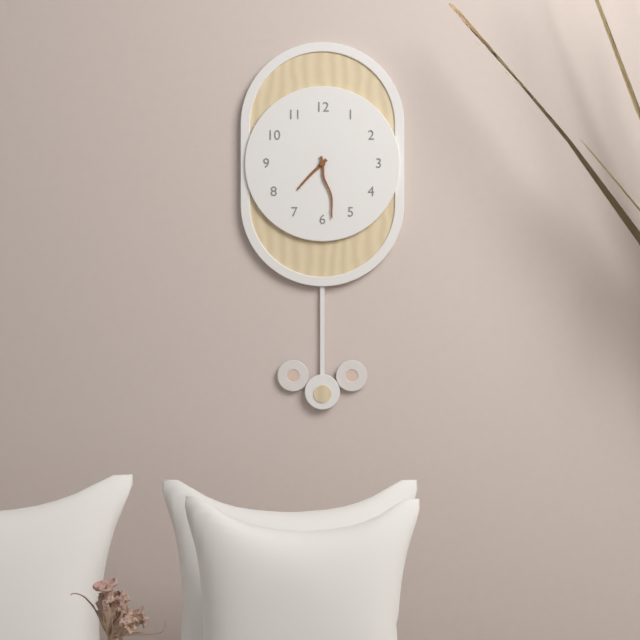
7:28
